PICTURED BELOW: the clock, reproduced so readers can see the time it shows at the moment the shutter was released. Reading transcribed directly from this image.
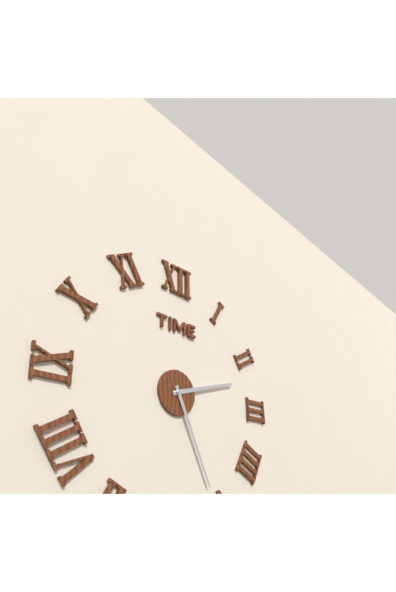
2:26
